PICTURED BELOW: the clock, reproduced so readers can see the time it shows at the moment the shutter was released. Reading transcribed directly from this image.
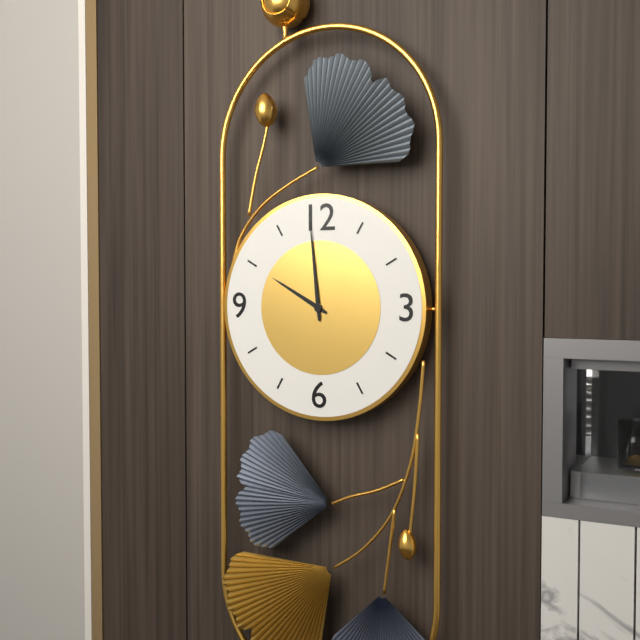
9:59
